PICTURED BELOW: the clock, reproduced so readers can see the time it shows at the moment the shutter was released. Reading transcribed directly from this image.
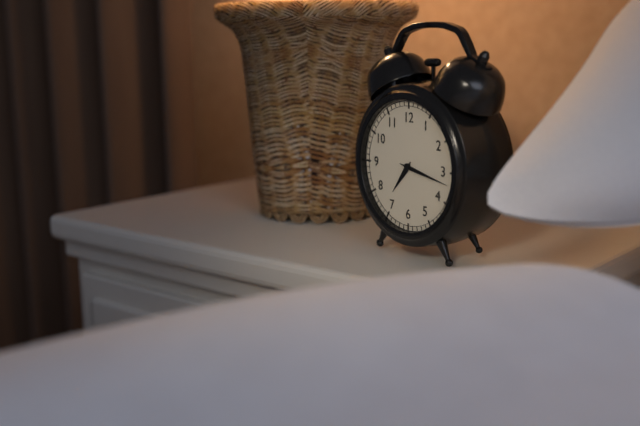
7:17
